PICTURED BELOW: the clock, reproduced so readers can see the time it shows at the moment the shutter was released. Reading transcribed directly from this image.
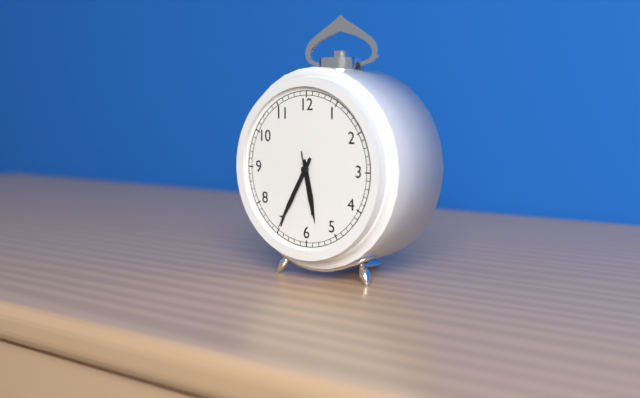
5:35:28
